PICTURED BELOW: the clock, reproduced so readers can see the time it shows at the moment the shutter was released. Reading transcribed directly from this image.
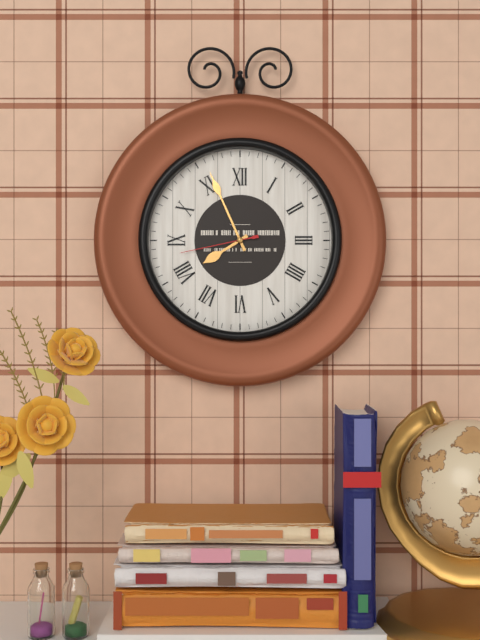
7:56:43
